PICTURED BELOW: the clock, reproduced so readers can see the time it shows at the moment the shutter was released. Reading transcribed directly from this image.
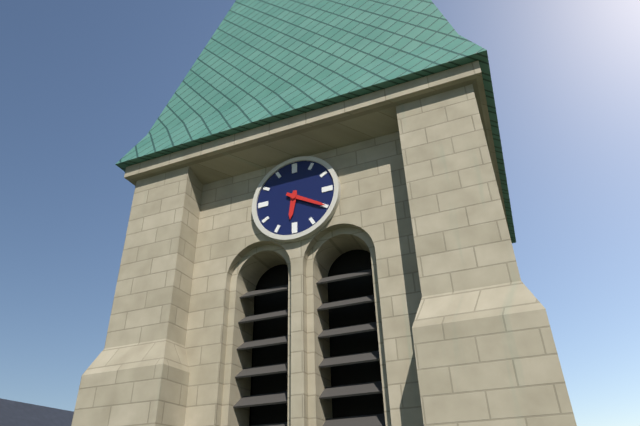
6:20
